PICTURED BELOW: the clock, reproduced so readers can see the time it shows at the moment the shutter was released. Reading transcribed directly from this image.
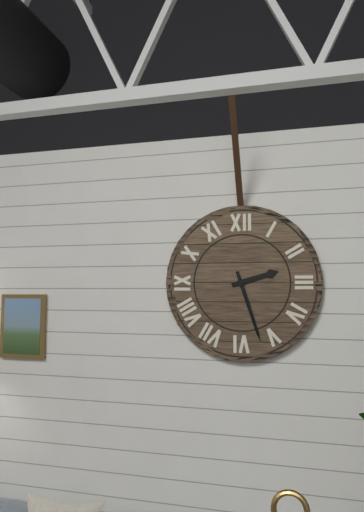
2:27
